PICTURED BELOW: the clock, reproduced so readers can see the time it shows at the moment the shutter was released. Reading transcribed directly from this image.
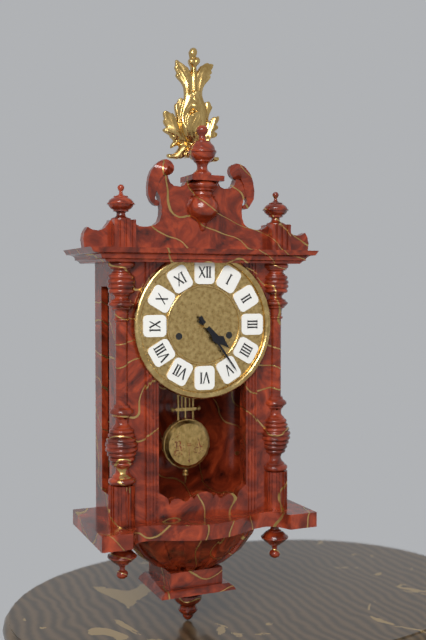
4:24
